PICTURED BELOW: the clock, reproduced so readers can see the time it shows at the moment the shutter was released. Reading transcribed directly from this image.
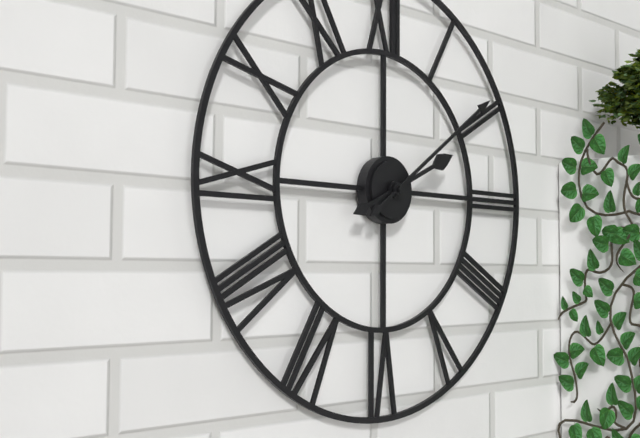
2:09
